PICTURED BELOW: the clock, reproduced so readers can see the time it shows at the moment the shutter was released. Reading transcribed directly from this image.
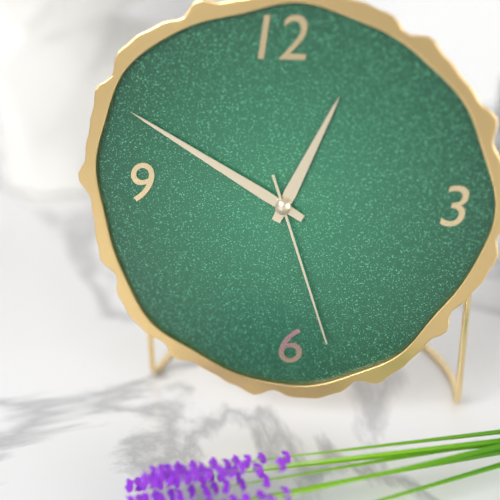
12:50:27
